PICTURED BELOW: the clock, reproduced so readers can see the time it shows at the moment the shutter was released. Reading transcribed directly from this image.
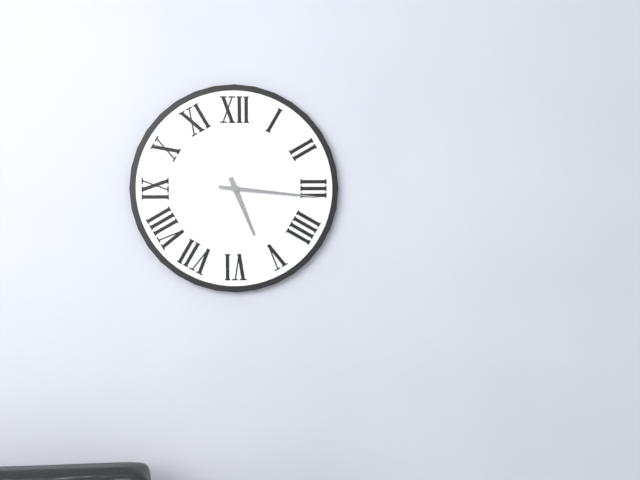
5:16
